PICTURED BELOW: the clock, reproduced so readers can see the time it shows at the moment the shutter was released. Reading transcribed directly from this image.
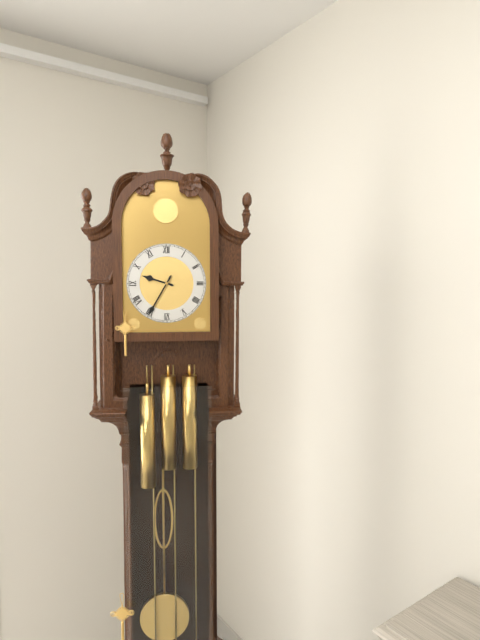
9:35
